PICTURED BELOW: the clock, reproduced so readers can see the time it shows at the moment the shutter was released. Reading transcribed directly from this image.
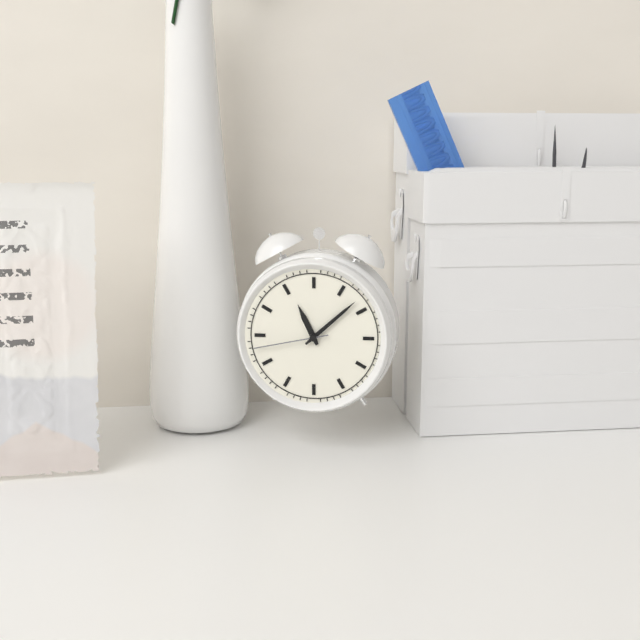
11:08:43
